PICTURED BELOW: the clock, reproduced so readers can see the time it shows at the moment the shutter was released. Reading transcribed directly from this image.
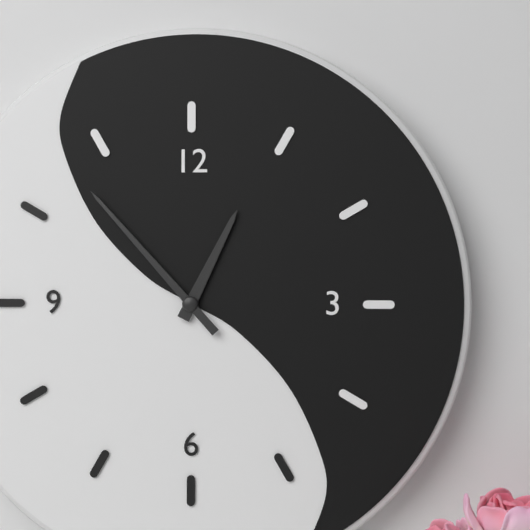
12:53
